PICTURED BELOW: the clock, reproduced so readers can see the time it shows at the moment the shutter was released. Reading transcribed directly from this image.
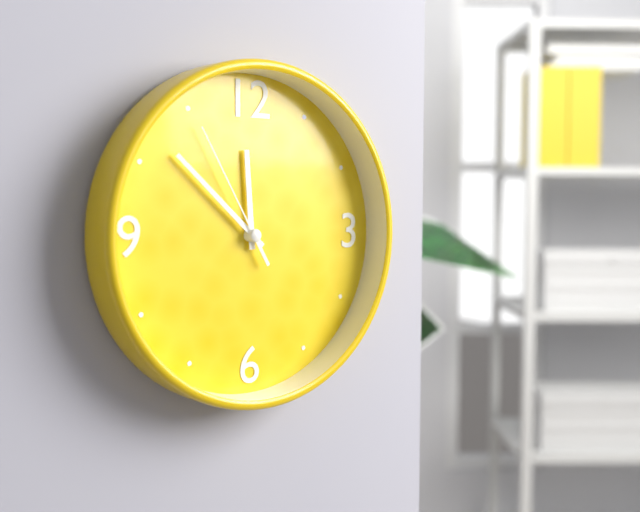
11:52:55
